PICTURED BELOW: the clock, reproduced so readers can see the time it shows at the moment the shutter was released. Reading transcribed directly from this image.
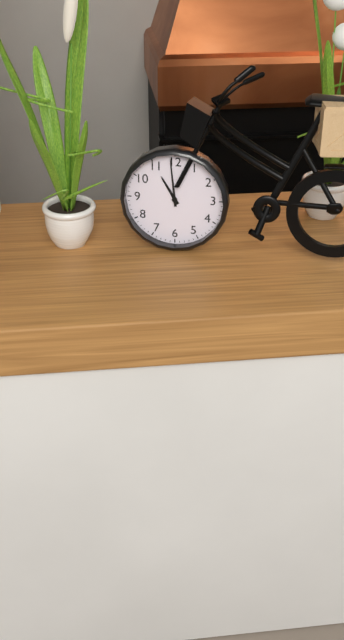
10:59
